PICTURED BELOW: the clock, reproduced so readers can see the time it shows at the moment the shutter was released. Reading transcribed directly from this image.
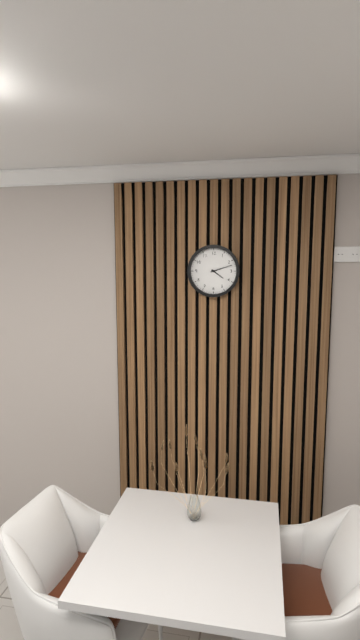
4:12
